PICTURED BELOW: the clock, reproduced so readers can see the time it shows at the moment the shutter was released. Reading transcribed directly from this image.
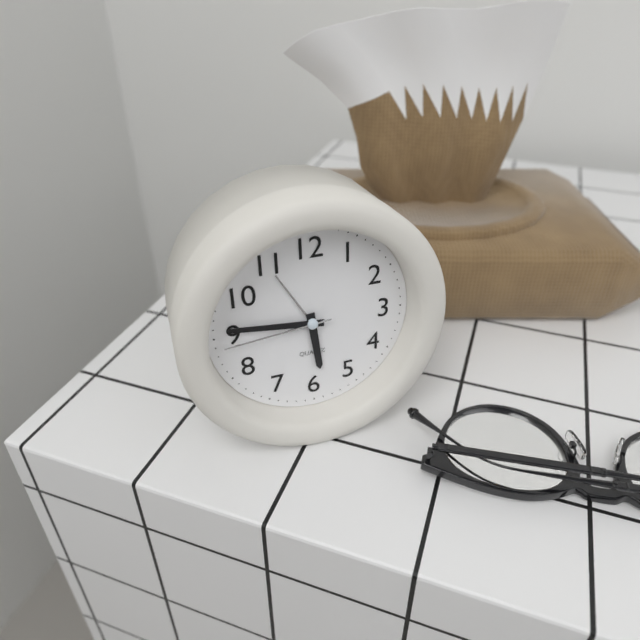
5:46:44
